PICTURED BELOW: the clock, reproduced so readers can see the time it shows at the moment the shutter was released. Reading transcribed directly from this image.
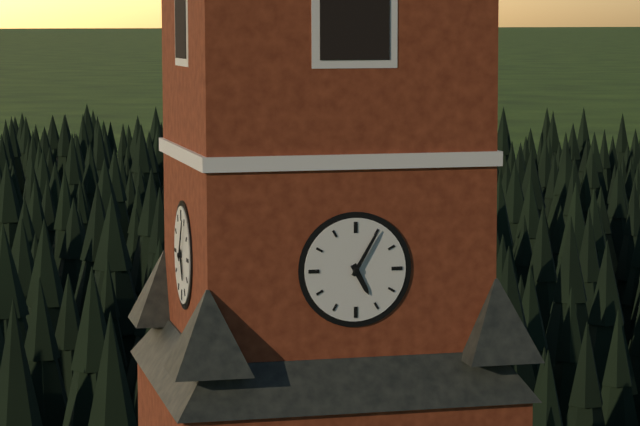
5:05
